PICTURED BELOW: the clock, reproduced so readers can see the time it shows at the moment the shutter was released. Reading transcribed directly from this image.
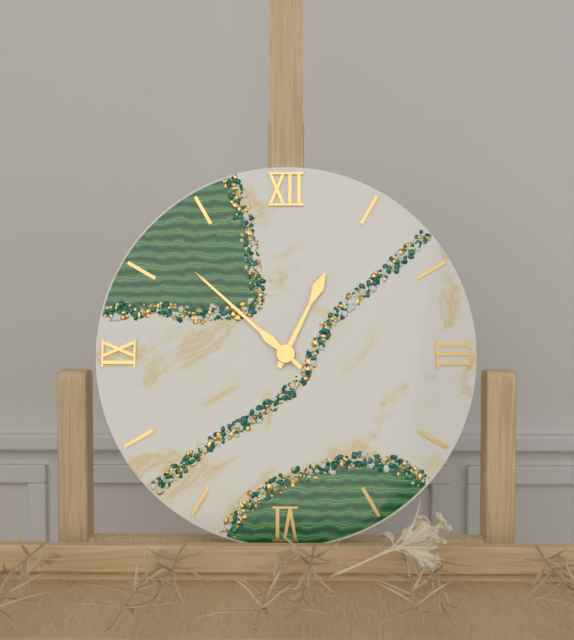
12:52
